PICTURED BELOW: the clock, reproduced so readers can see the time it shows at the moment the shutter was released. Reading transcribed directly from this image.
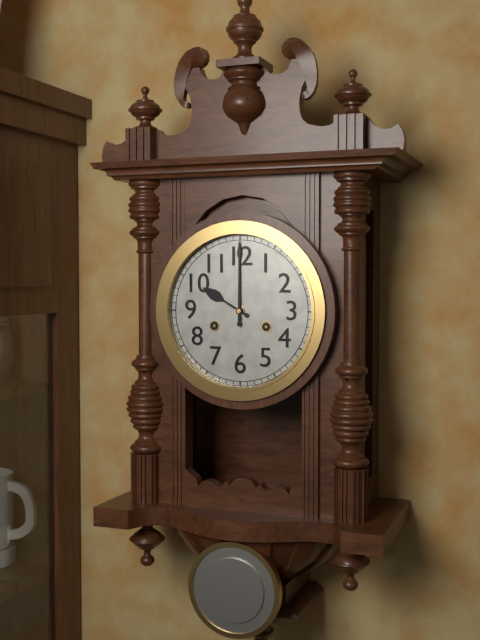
10:00
